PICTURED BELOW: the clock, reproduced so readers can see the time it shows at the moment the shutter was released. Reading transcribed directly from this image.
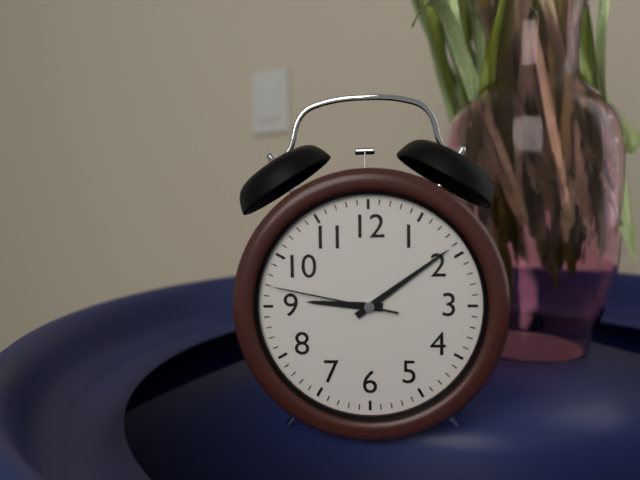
9:09:47
